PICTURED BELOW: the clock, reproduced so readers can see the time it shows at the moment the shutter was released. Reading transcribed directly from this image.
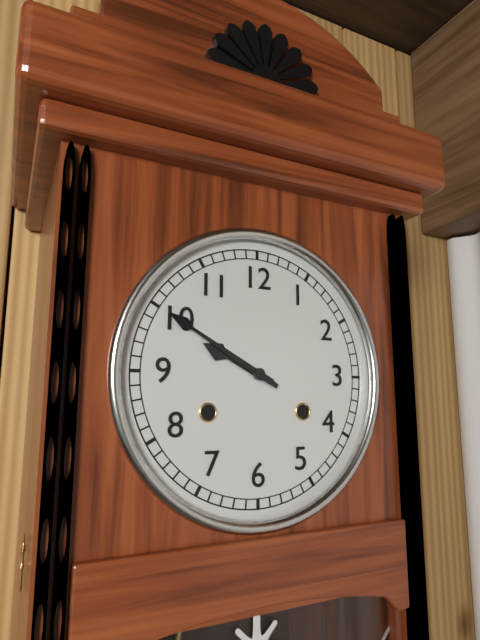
9:50
